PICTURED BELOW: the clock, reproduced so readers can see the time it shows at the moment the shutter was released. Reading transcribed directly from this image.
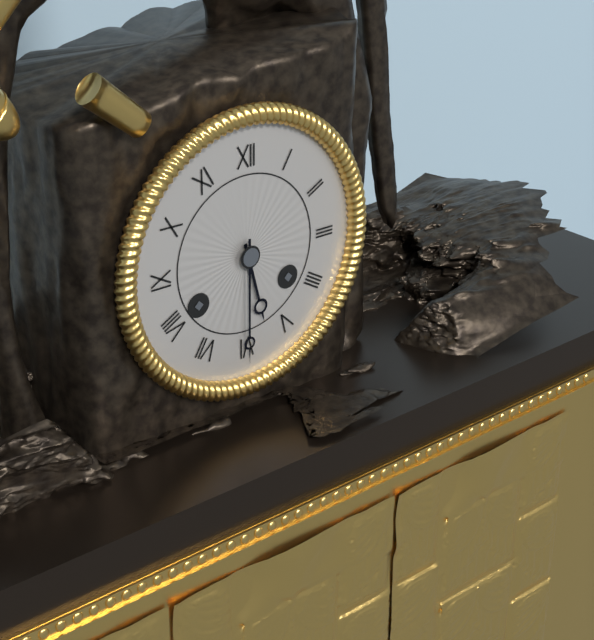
5:30
